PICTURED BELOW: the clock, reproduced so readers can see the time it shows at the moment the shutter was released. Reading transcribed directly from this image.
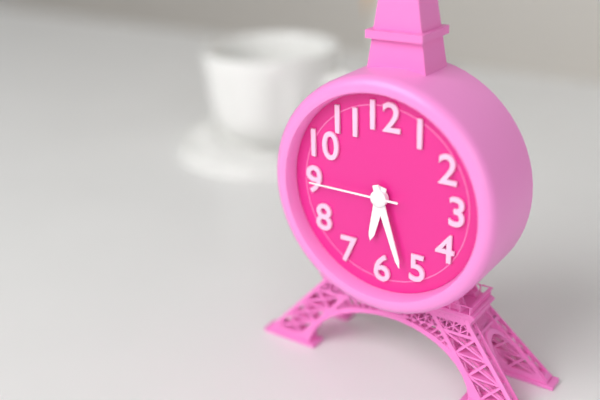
6:27:45
